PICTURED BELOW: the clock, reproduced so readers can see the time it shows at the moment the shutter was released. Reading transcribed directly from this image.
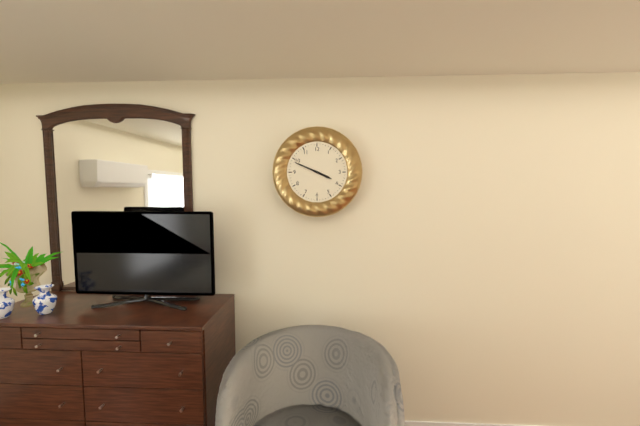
3:49
